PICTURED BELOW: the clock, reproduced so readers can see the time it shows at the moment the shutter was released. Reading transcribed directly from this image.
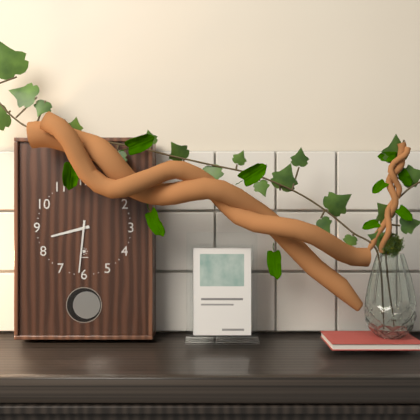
8:31
